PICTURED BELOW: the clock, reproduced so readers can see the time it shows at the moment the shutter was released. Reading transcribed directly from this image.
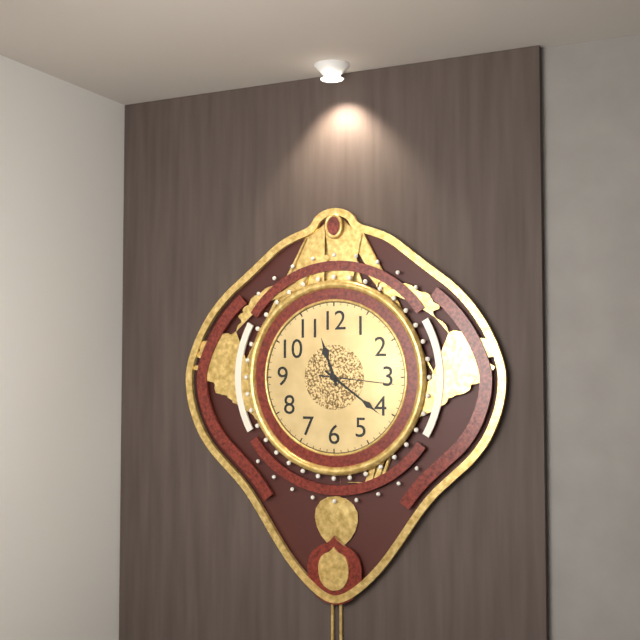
11:21:16
